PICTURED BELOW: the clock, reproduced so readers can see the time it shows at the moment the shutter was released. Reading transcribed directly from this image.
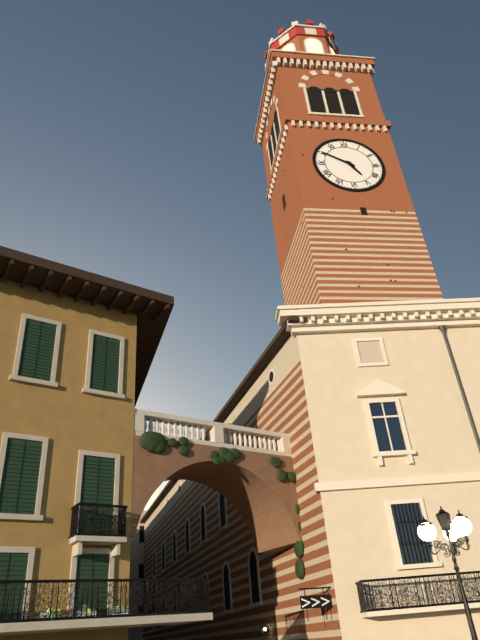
4:50
